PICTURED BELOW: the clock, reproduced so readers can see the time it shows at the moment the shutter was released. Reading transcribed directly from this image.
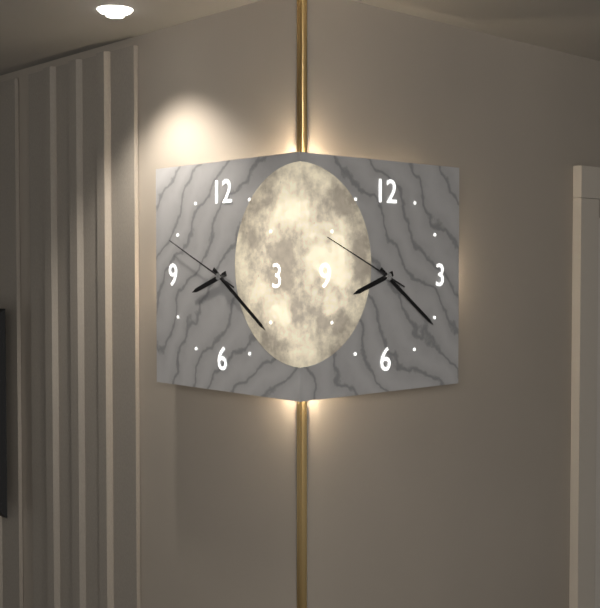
8:21:49
